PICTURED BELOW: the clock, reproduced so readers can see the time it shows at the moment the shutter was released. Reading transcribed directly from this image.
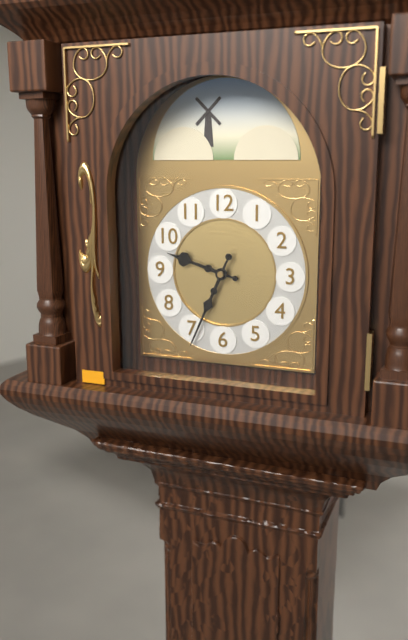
9:34
